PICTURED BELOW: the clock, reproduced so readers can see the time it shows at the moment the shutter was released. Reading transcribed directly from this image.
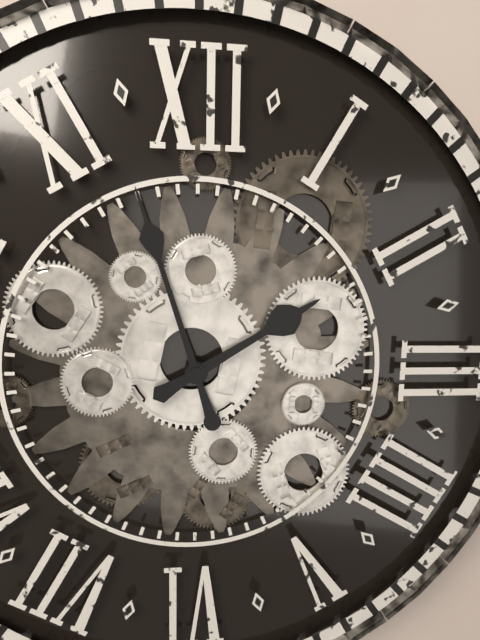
1:57
